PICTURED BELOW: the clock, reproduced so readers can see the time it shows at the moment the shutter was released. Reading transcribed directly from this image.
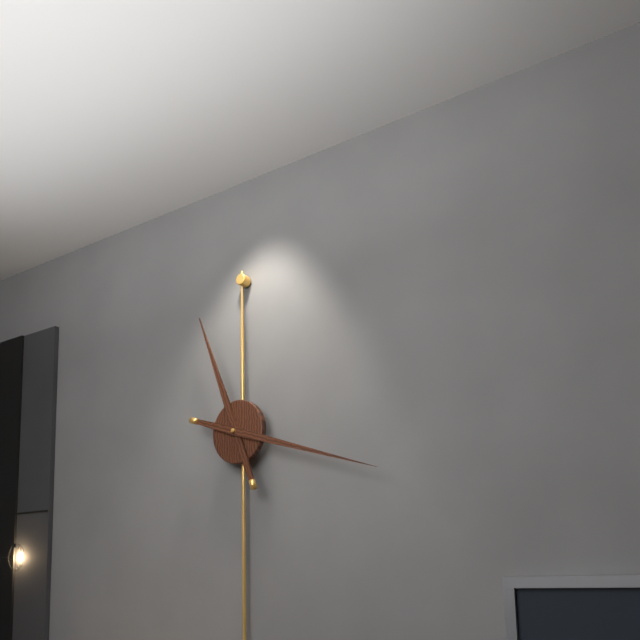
11:18
